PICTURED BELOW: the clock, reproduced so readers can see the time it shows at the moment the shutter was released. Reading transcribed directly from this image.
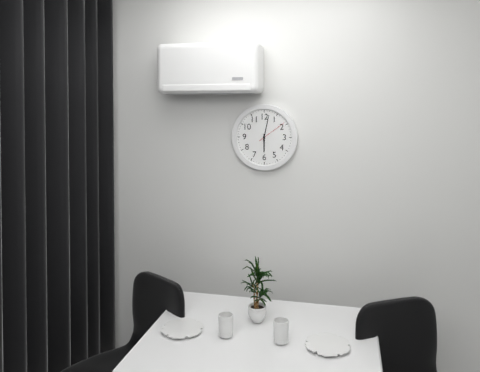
6:02
